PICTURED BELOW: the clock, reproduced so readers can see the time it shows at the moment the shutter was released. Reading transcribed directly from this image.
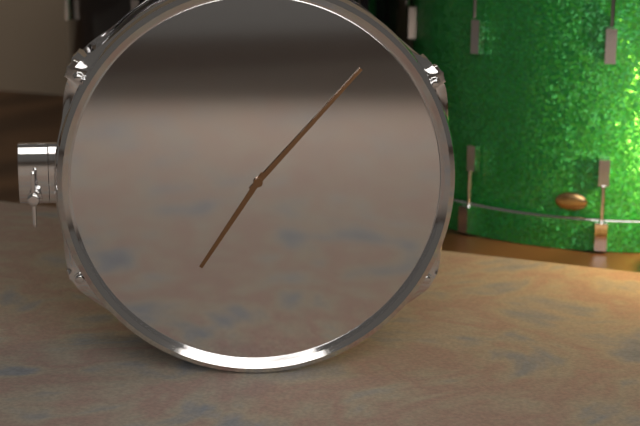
7:07
